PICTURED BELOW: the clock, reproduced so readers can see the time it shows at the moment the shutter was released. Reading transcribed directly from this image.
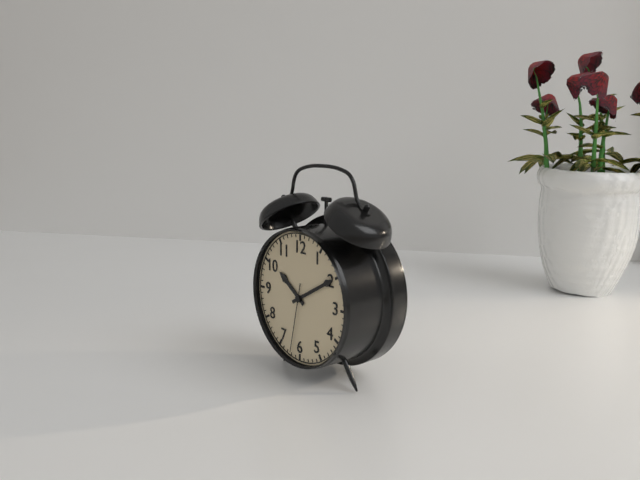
10:10:32
